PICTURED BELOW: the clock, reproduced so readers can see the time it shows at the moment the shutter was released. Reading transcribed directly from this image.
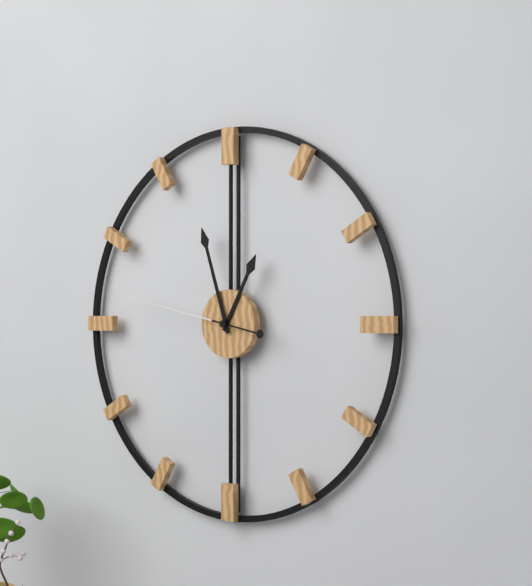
12:57:47
